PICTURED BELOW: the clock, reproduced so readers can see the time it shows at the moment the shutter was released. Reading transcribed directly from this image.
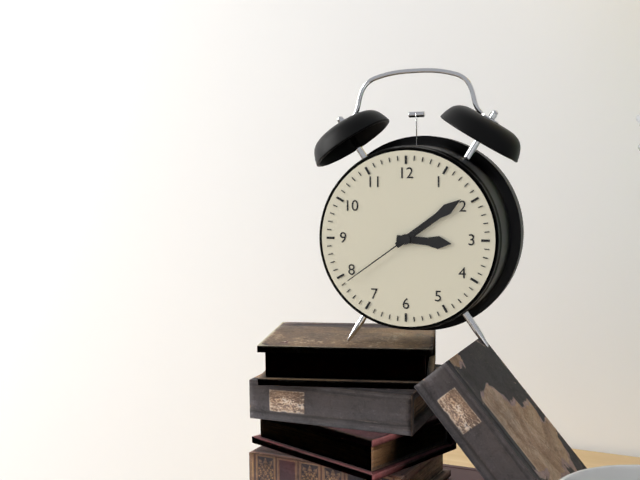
3:09:39
